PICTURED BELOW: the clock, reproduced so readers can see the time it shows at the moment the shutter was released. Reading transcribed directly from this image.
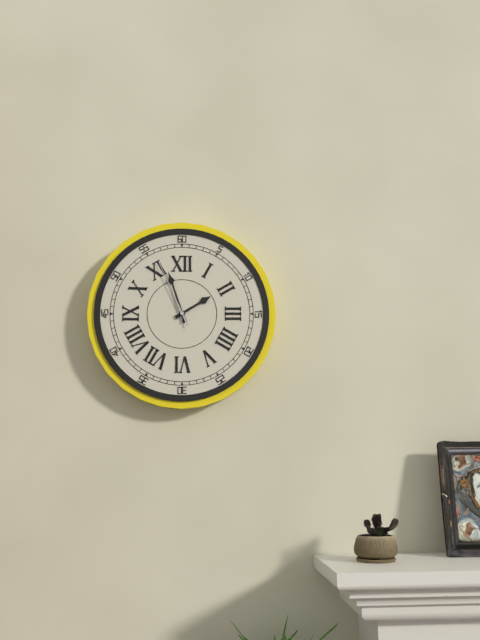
1:57:56
